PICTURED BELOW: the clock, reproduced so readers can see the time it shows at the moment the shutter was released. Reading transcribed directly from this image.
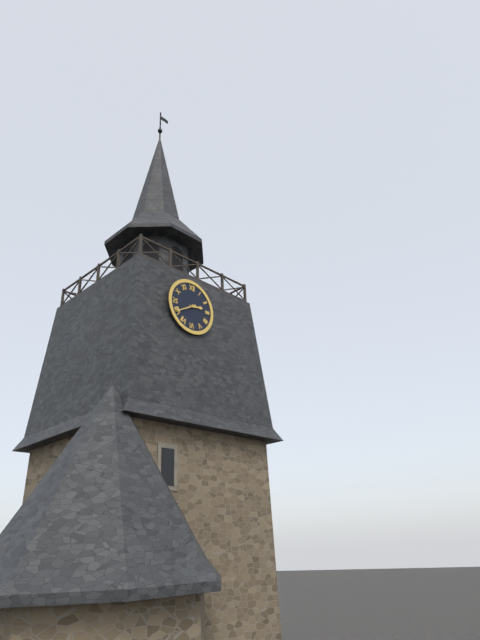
2:40
